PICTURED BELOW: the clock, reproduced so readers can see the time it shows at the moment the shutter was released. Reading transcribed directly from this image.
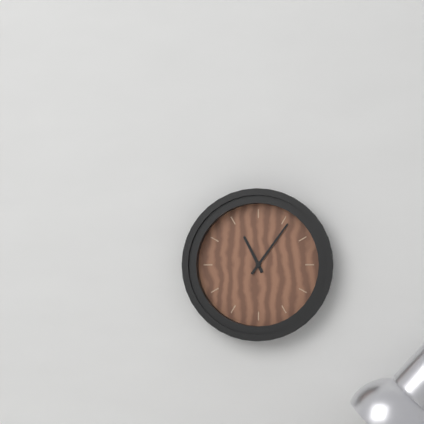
11:06
